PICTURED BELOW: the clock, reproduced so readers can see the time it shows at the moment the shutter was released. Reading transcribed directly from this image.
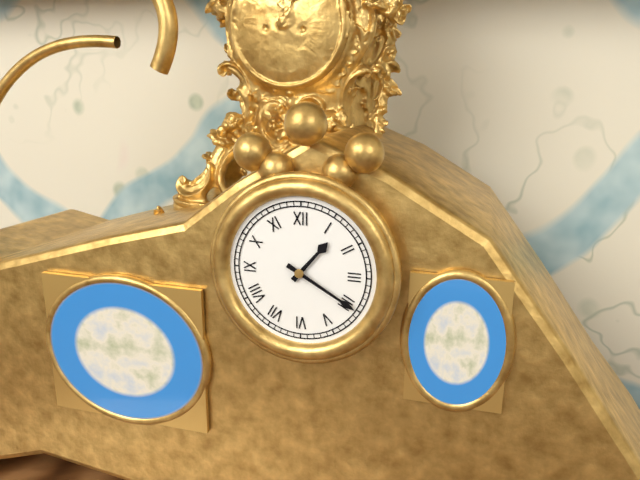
1:20
